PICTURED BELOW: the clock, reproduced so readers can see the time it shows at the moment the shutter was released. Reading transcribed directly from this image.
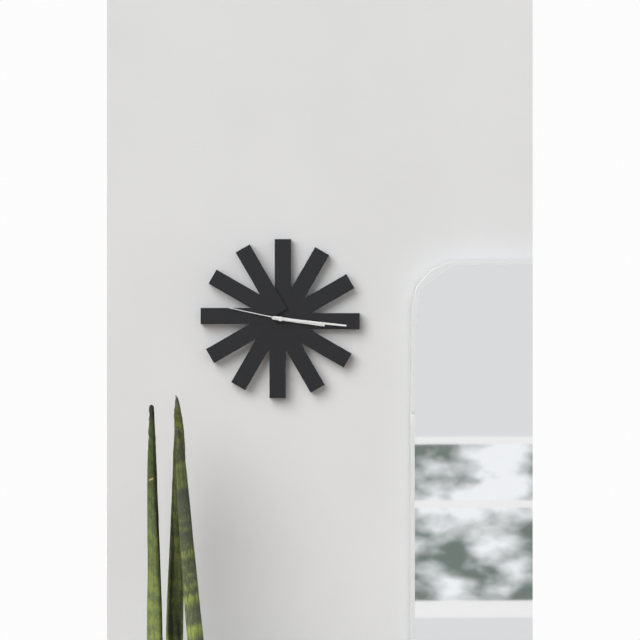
3:16:47
